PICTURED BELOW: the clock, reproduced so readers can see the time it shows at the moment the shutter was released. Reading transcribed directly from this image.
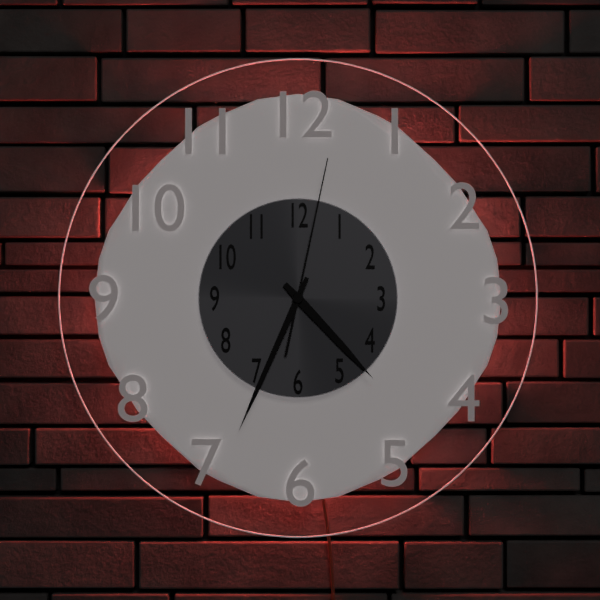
4:34:02
